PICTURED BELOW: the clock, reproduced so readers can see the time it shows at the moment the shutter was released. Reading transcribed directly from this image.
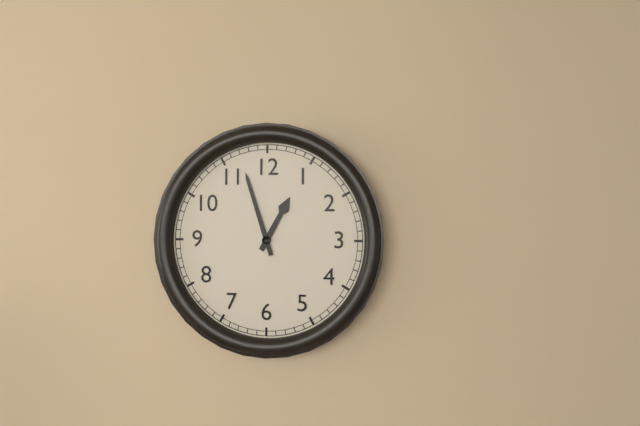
12:57
